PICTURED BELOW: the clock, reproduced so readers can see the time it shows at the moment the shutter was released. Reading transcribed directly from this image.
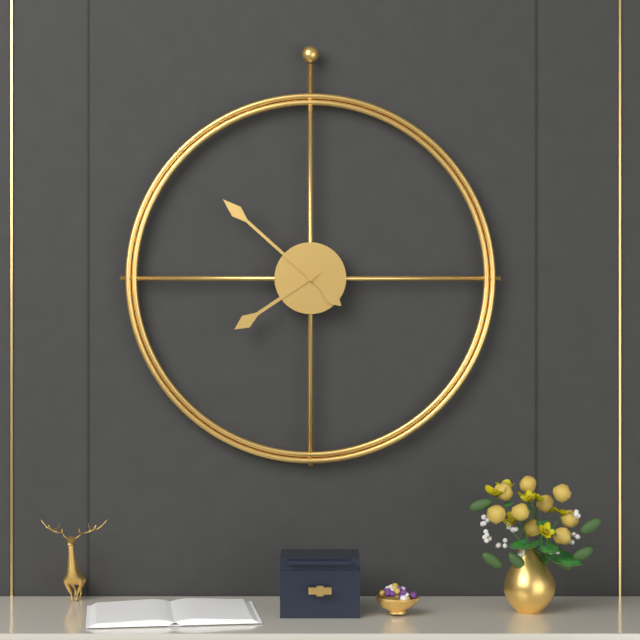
7:52
